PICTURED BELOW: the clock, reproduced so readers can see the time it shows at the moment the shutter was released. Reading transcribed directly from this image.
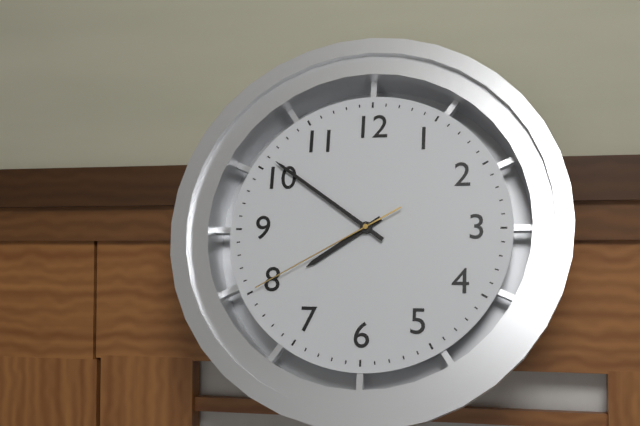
7:51:40
